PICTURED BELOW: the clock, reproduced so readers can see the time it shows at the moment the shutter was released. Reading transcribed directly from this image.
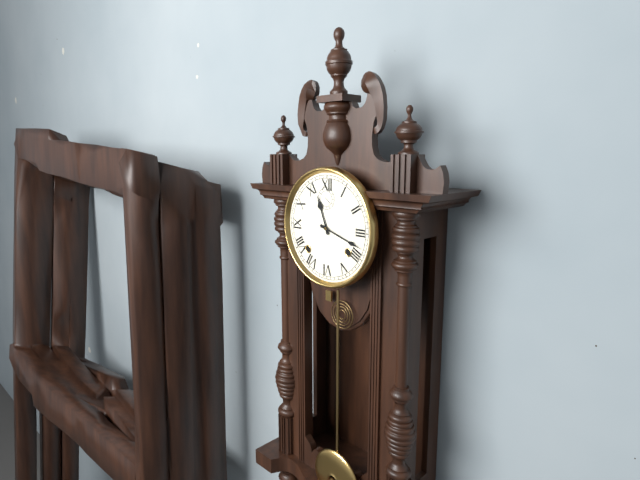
11:18
